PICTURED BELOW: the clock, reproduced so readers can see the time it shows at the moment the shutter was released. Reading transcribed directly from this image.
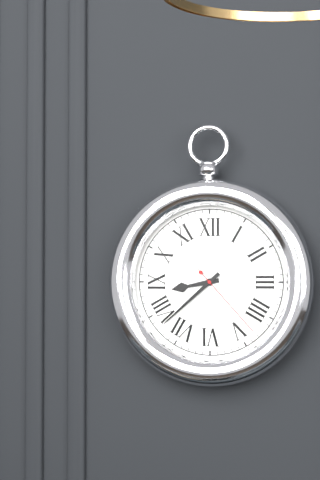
8:38:23
